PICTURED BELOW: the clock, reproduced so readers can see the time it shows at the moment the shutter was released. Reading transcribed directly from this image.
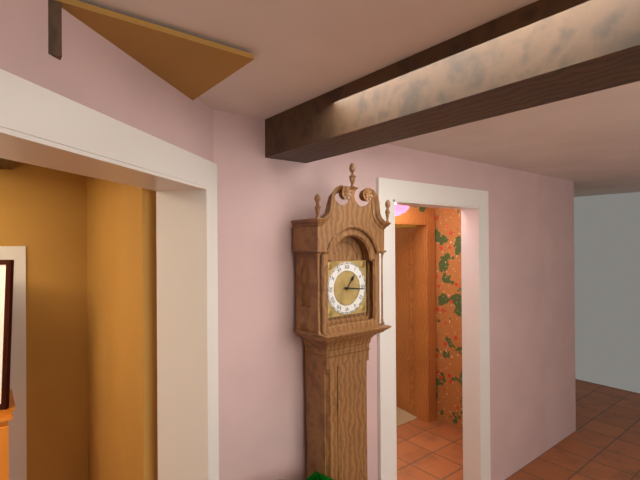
1:16
